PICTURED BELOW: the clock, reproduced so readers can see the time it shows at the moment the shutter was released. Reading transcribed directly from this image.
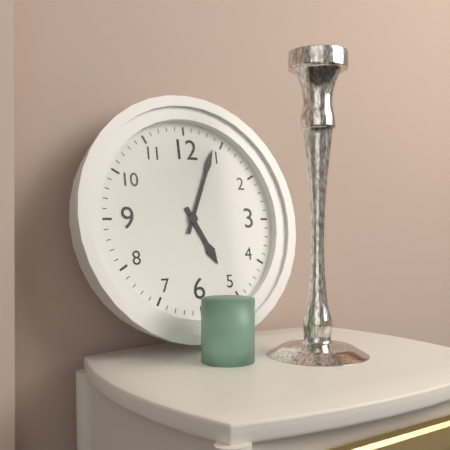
5:04
